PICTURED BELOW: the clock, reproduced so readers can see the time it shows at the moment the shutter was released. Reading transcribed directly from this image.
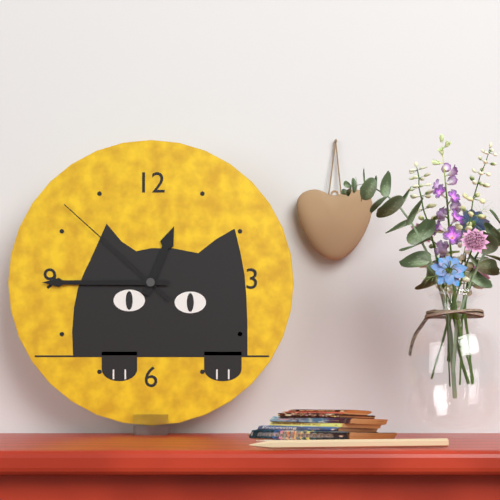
12:45:52
